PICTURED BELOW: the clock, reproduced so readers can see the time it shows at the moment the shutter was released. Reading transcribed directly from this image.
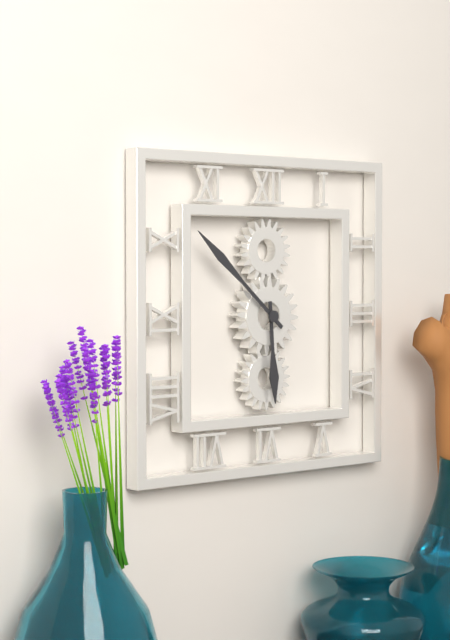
5:52
